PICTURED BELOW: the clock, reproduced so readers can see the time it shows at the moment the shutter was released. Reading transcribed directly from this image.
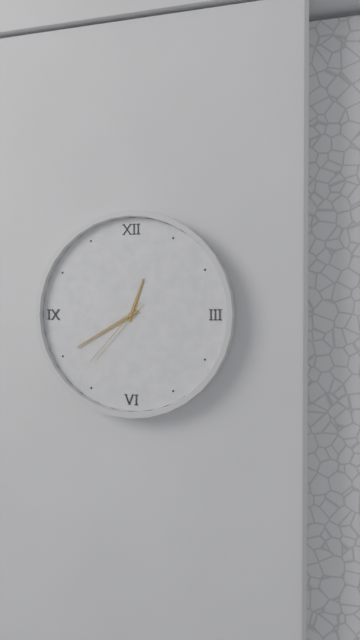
12:40:37
